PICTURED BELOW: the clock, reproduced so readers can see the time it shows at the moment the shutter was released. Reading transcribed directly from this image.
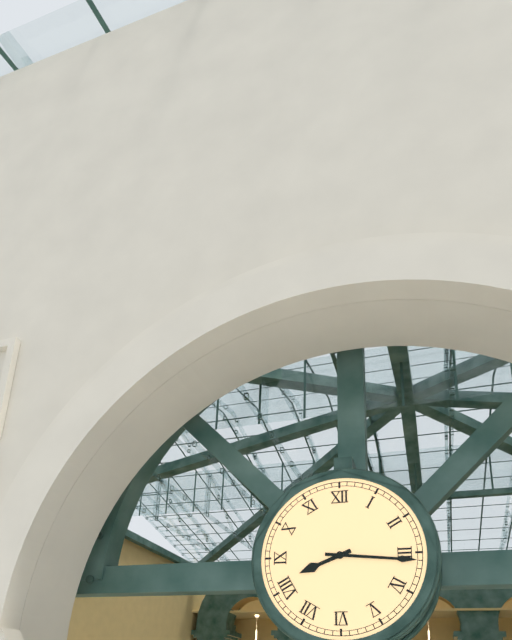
8:16
